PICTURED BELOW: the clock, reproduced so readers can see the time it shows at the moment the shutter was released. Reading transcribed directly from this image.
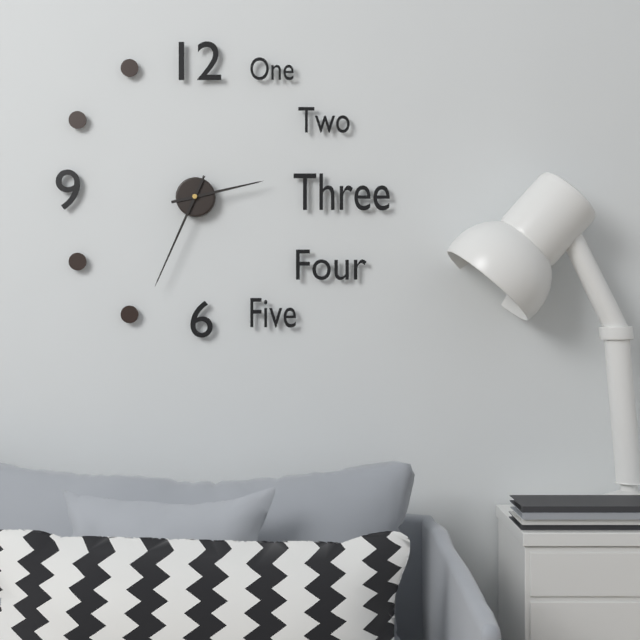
2:34
